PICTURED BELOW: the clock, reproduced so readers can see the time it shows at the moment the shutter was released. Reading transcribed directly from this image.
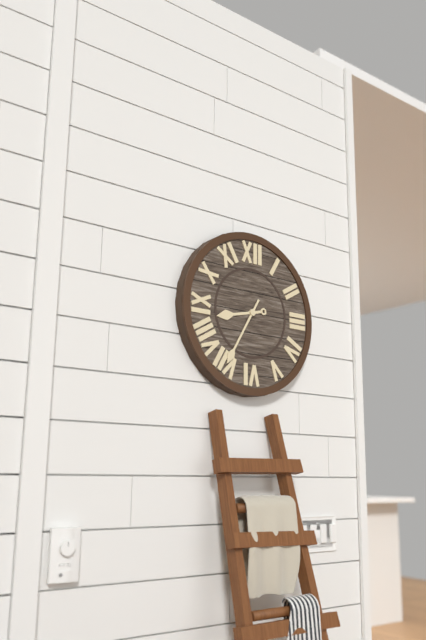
8:35
